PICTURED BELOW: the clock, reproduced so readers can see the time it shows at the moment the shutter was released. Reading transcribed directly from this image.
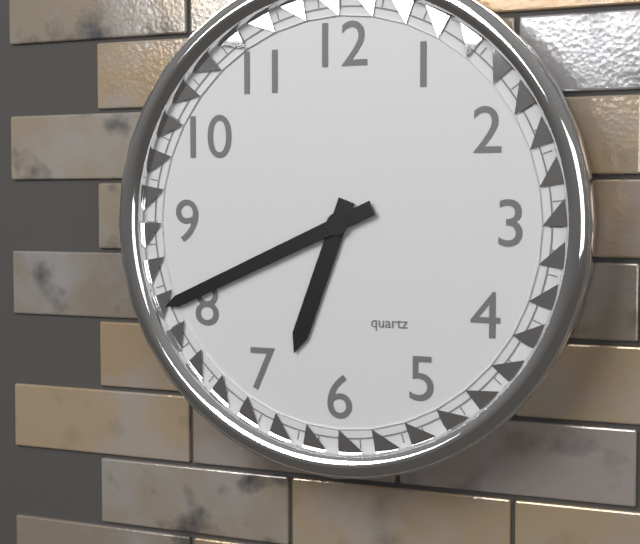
6:41
